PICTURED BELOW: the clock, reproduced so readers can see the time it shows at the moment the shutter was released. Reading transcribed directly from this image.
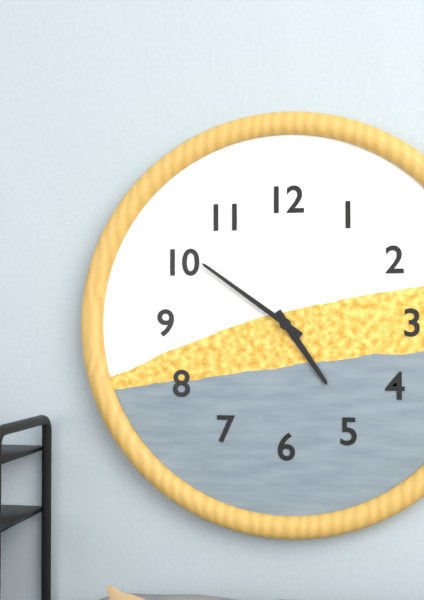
4:51
